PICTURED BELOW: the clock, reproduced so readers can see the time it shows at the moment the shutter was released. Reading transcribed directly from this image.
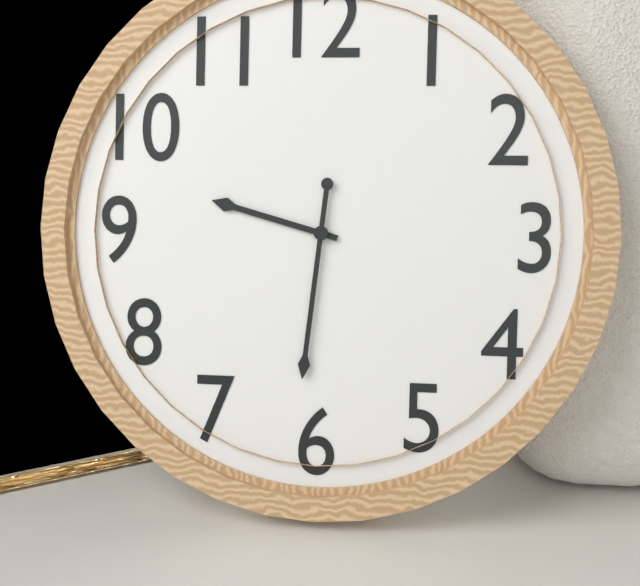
9:31
